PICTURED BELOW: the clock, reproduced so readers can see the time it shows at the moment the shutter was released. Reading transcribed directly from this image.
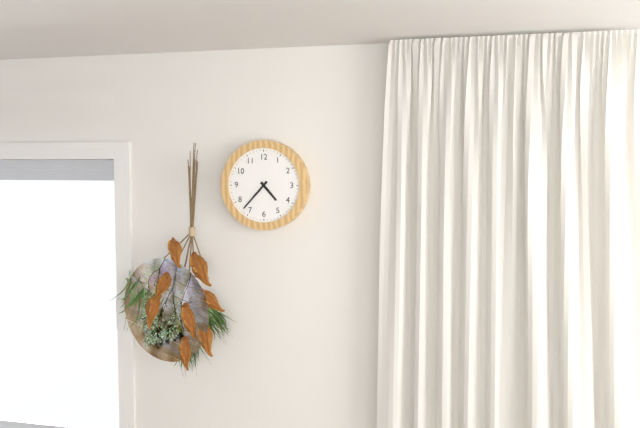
4:37
